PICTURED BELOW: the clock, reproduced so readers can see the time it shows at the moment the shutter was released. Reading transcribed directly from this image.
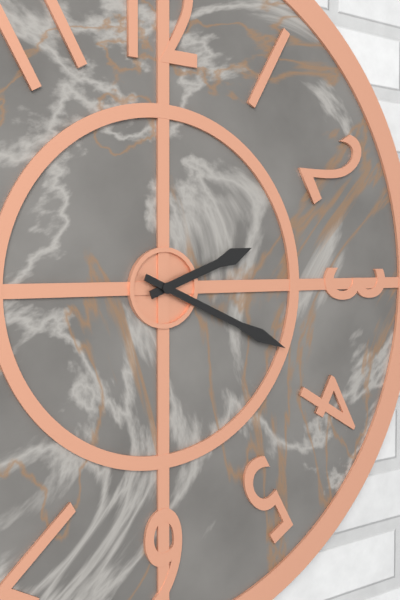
2:19
